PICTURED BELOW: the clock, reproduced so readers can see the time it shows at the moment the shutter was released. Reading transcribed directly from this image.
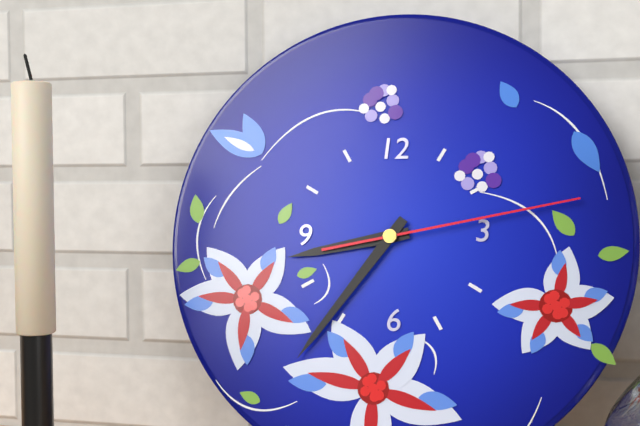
8:36:13
